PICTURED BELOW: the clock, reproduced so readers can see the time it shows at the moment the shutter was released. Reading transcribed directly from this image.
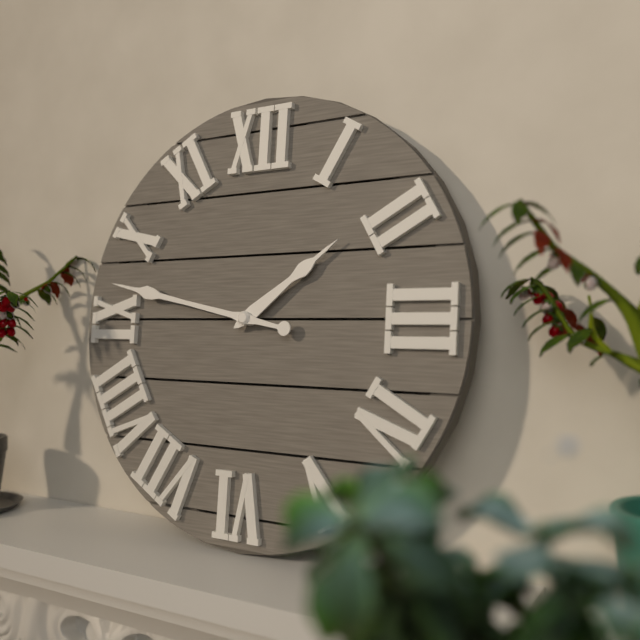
1:47
